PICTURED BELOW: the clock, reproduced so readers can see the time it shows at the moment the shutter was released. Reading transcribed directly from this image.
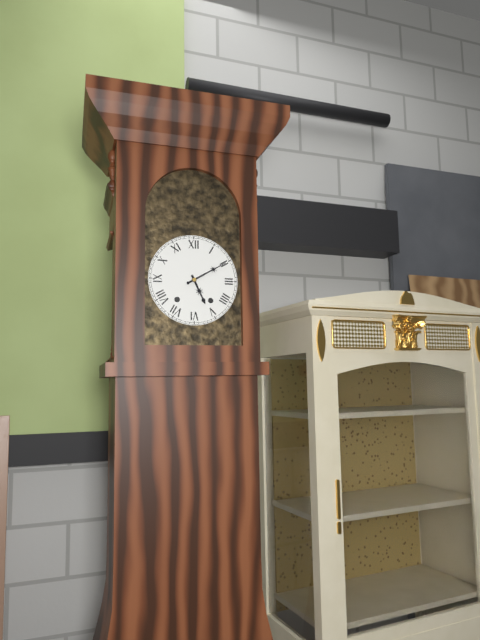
5:10
